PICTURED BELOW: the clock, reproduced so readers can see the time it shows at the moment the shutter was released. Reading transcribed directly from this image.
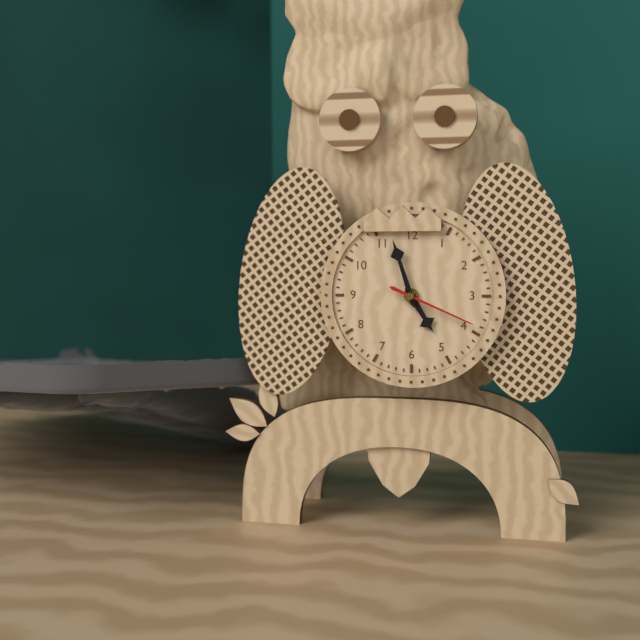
4:57:19
